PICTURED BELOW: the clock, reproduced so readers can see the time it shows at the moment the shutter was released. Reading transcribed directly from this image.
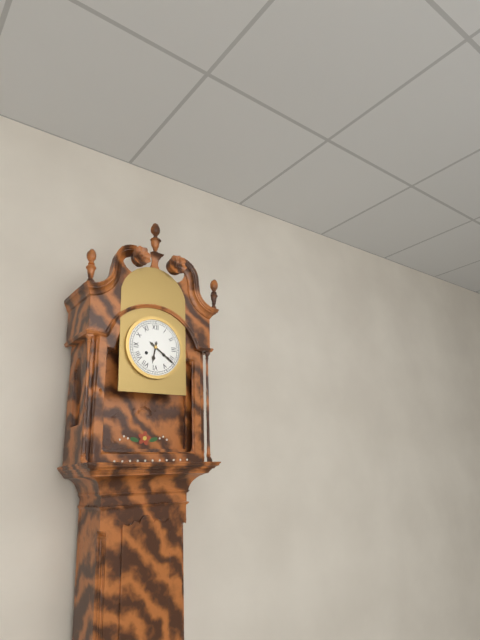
6:21
